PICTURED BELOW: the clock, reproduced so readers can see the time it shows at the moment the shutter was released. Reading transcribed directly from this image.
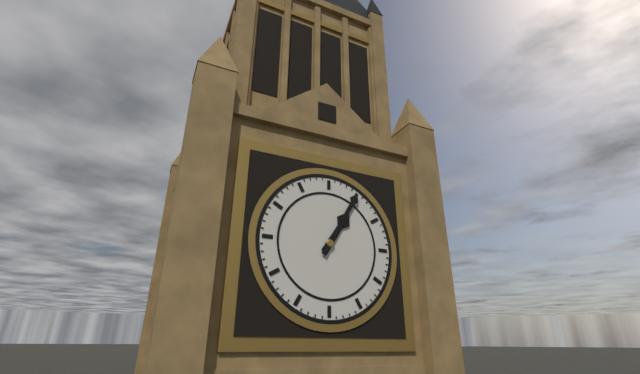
1:05
